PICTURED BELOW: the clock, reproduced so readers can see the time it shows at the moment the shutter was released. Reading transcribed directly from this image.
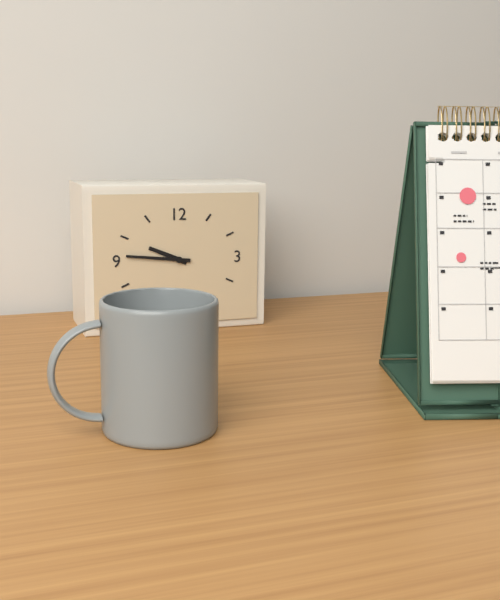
9:46
